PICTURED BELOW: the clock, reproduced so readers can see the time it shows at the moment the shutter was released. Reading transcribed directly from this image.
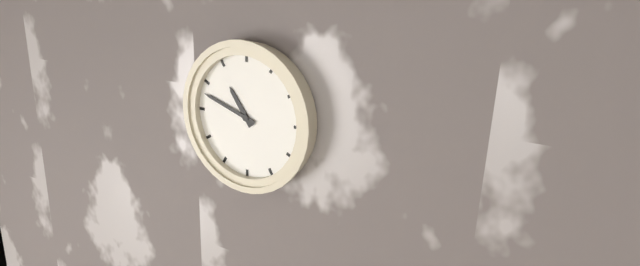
10:48
